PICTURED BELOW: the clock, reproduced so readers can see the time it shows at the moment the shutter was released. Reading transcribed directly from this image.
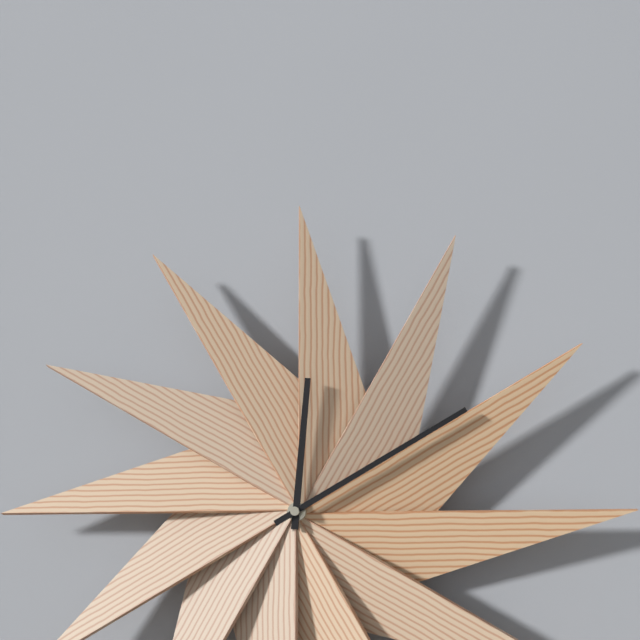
12:10
